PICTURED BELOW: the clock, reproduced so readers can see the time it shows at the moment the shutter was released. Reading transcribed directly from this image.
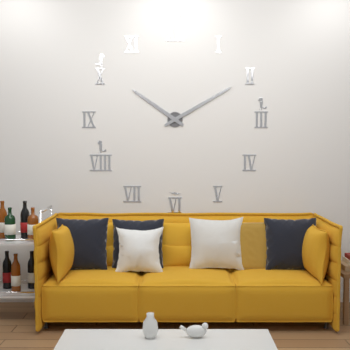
10:10
